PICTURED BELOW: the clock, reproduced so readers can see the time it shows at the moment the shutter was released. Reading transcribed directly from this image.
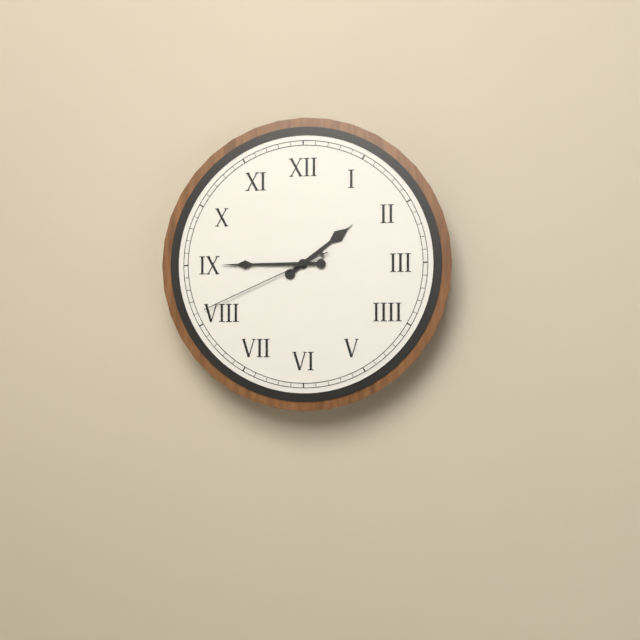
1:45:41
